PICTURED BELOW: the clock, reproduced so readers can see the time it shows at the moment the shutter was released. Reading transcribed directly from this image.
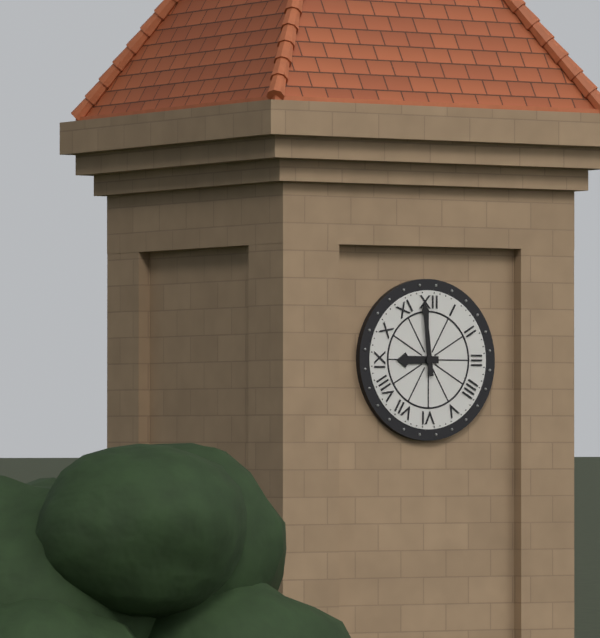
8:59
